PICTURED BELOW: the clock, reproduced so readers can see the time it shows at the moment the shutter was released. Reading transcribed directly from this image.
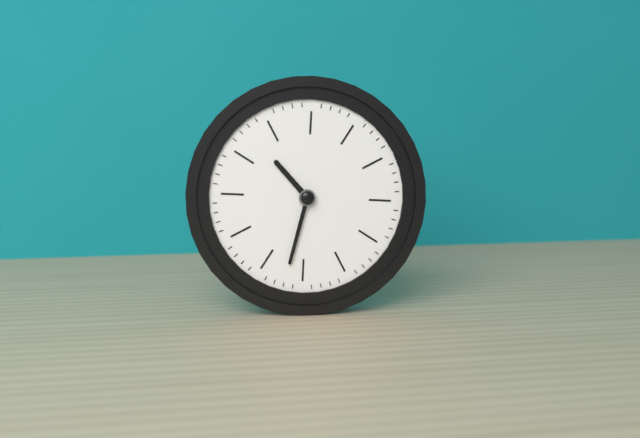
10:32
